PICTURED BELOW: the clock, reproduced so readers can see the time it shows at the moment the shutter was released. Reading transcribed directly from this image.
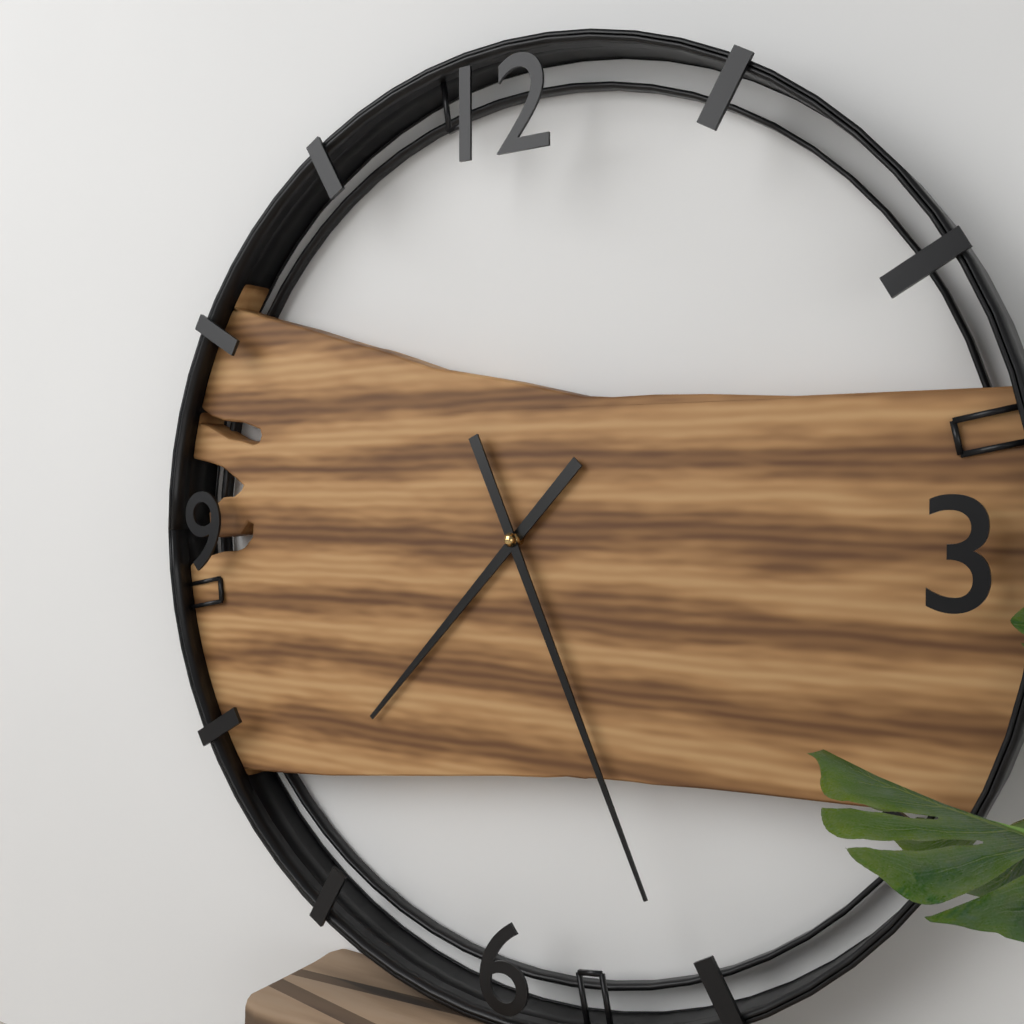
7:26
